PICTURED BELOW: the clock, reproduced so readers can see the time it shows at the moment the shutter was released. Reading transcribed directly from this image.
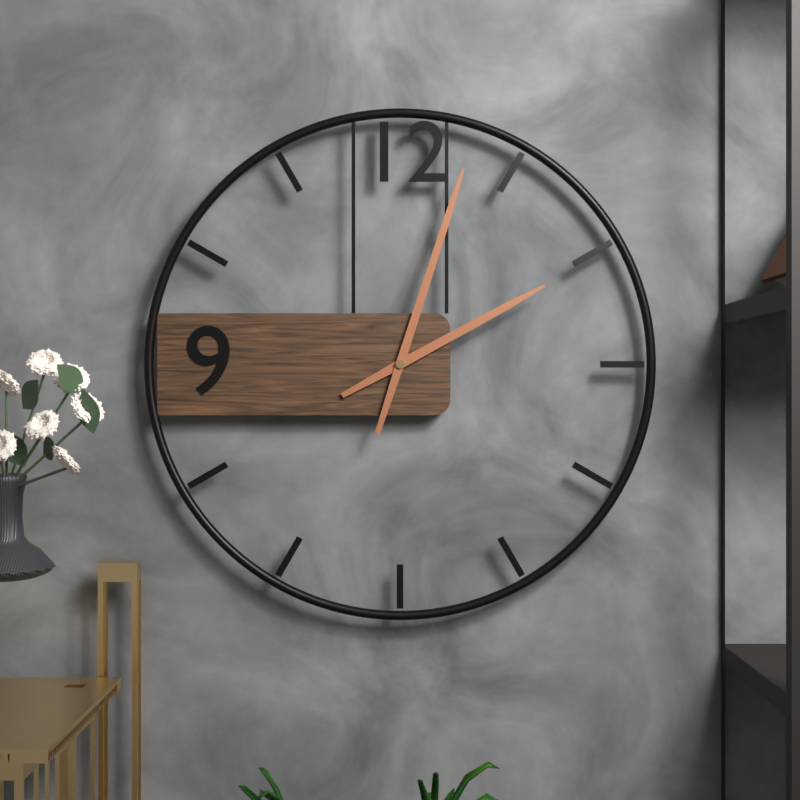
2:03
